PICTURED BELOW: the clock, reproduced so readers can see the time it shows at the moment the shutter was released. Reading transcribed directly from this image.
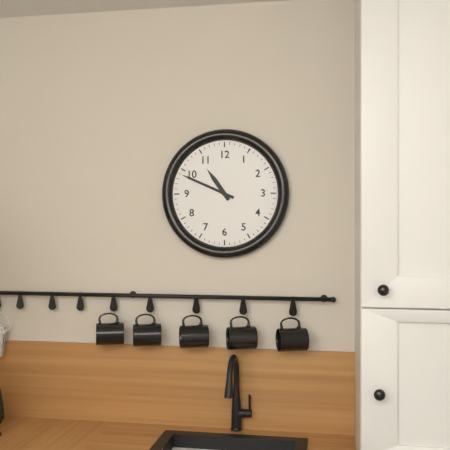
10:49
